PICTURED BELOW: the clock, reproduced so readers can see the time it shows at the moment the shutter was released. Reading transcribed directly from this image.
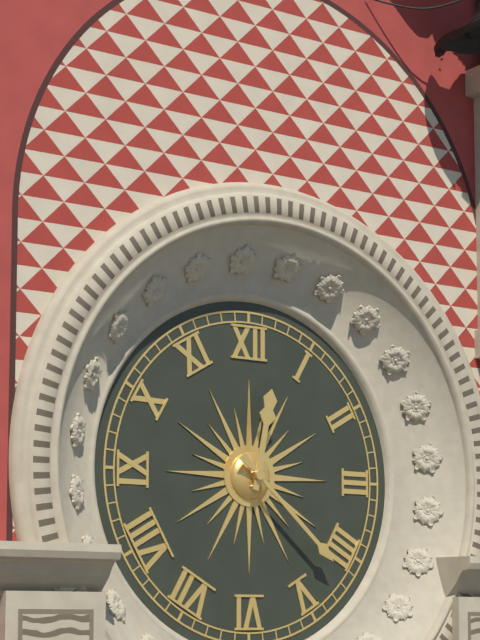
12:22
